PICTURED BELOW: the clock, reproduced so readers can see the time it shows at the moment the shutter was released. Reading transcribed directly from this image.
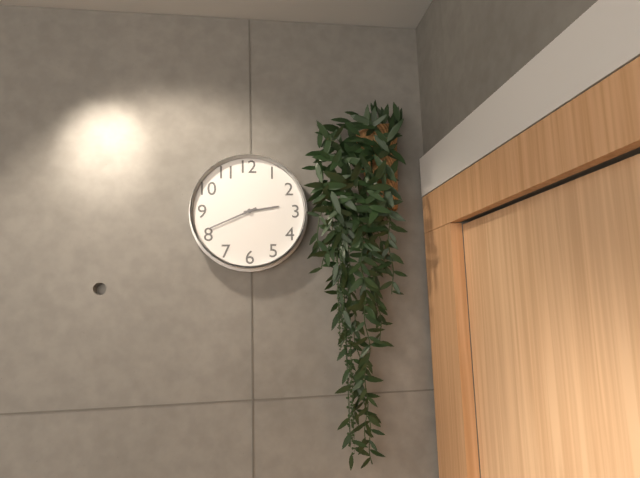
2:41
